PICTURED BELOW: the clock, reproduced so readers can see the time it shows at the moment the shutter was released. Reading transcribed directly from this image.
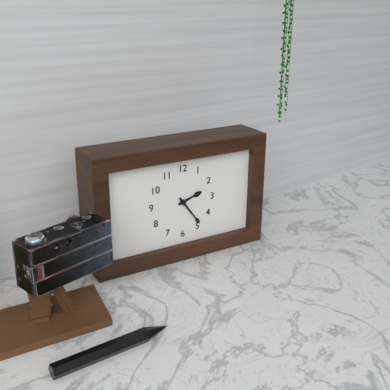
2:24
